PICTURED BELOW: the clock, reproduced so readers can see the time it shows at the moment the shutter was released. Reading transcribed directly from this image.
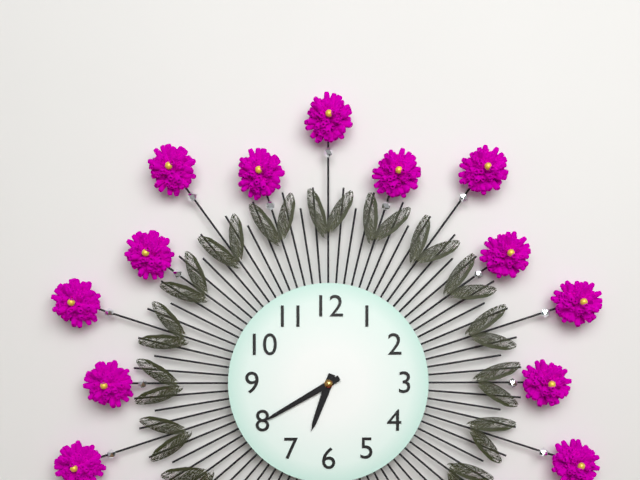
6:40
